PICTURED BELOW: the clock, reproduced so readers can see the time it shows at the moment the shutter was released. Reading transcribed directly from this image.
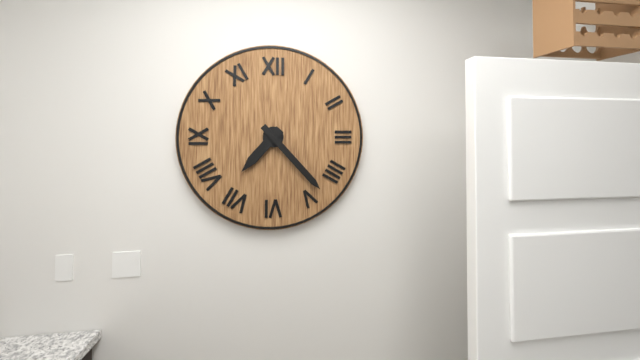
7:23
